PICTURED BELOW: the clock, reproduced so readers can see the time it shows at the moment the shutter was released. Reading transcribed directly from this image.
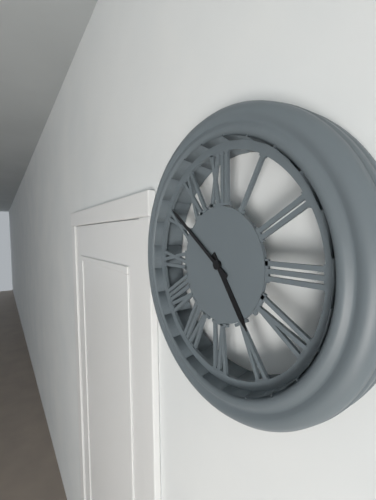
4:51
